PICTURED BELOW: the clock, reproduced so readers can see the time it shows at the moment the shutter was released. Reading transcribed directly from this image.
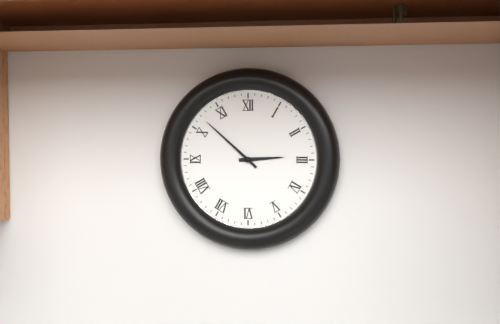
2:52
